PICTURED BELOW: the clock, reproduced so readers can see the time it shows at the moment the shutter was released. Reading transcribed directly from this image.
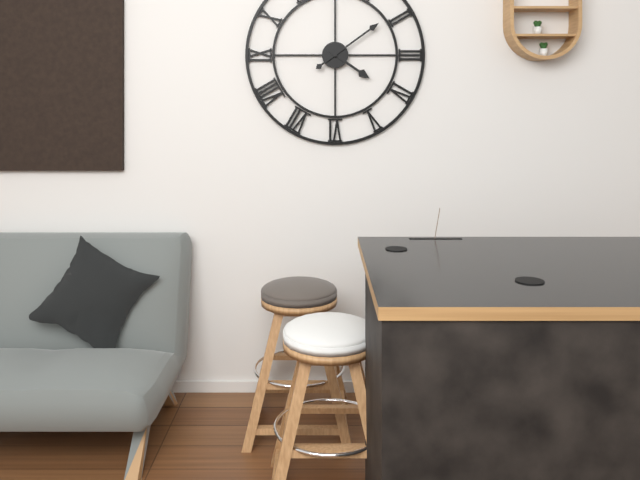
4:09
